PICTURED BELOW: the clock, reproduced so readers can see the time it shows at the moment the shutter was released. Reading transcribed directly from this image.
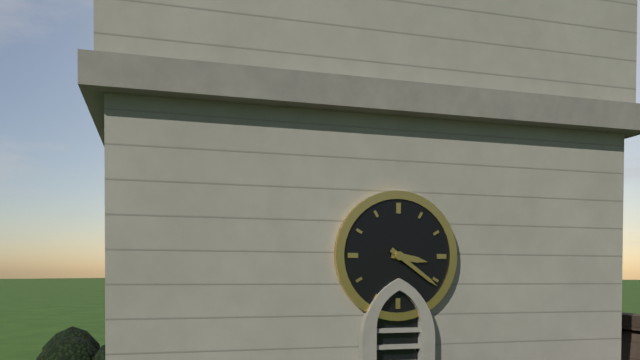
3:21
